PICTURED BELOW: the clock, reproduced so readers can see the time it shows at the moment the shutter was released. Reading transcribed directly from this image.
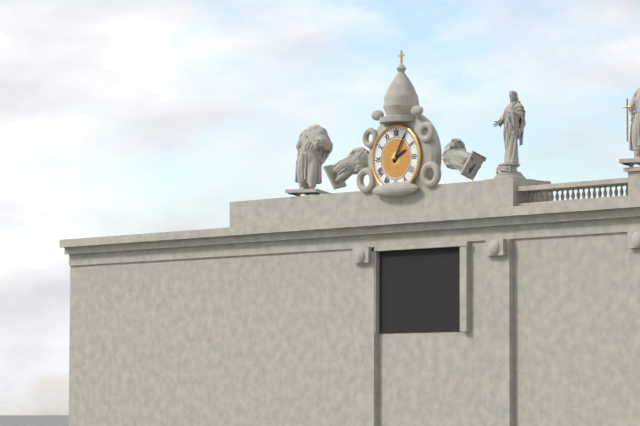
2:05
